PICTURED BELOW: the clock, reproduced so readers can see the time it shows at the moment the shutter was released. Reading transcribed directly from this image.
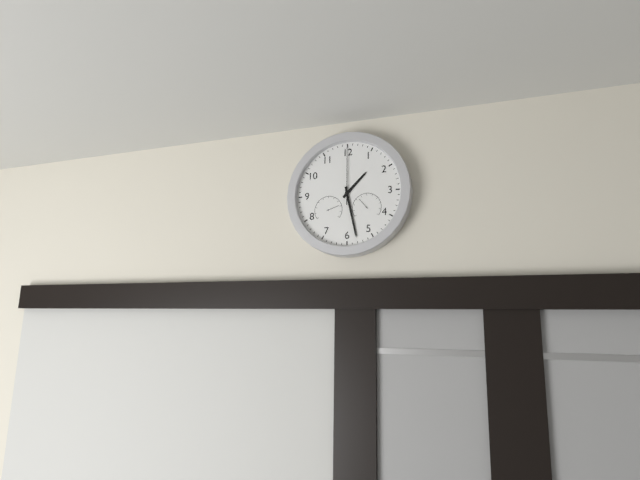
1:28:00
